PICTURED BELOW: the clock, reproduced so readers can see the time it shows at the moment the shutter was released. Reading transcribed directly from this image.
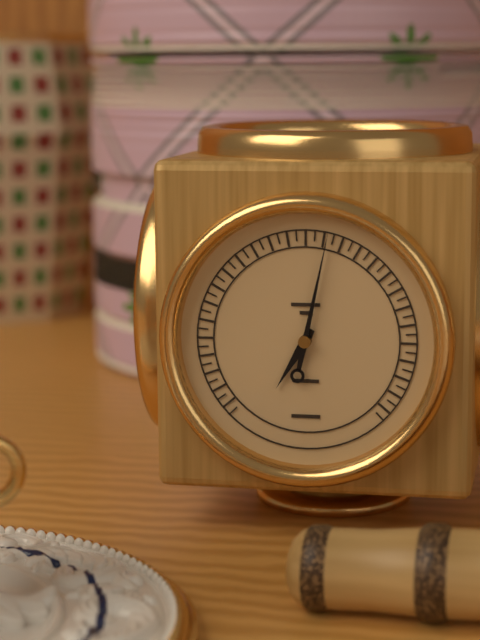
7:02
